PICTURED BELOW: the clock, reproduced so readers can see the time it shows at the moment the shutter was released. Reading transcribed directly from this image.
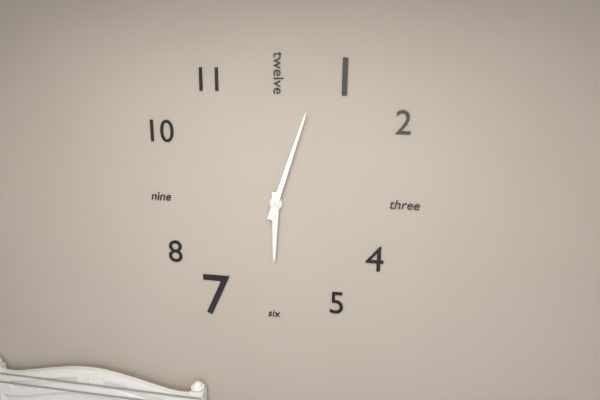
6:03
